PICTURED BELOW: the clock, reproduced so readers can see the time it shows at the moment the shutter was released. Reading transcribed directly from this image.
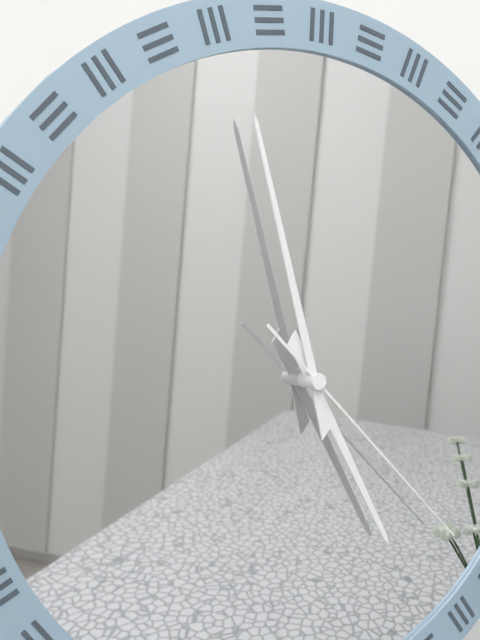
4:57:22
